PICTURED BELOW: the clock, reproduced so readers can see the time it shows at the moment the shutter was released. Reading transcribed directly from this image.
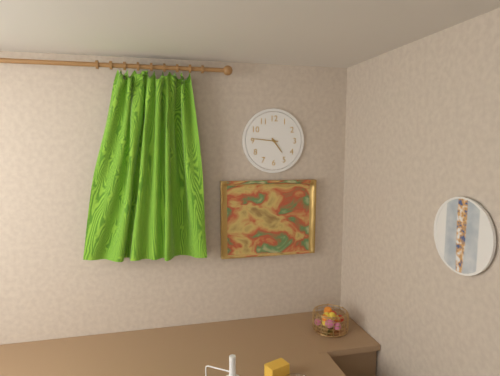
4:46
